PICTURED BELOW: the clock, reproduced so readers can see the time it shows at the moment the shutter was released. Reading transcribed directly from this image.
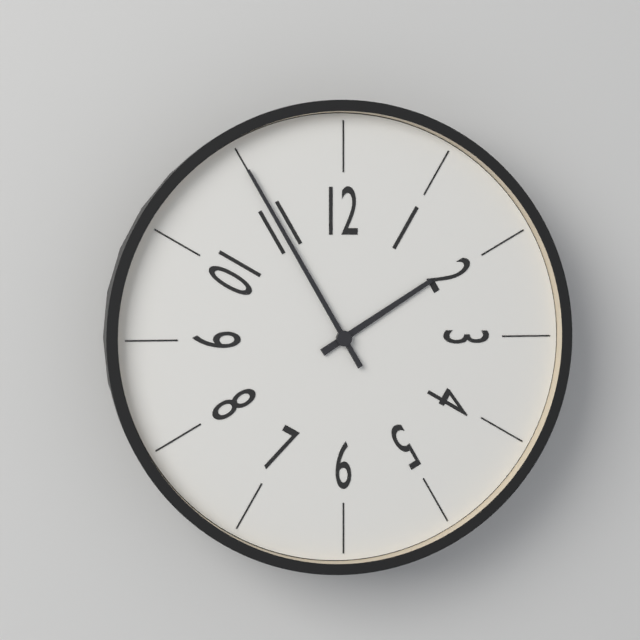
1:55
